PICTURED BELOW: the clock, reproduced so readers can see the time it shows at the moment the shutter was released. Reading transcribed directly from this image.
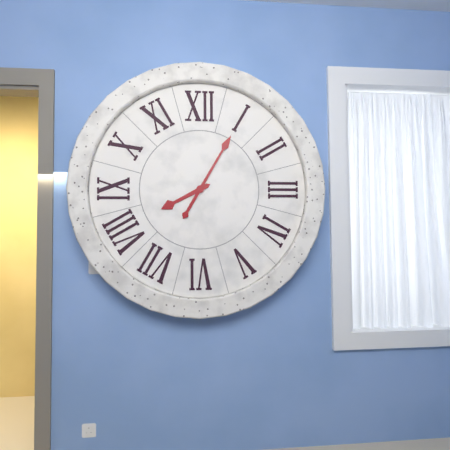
8:05
